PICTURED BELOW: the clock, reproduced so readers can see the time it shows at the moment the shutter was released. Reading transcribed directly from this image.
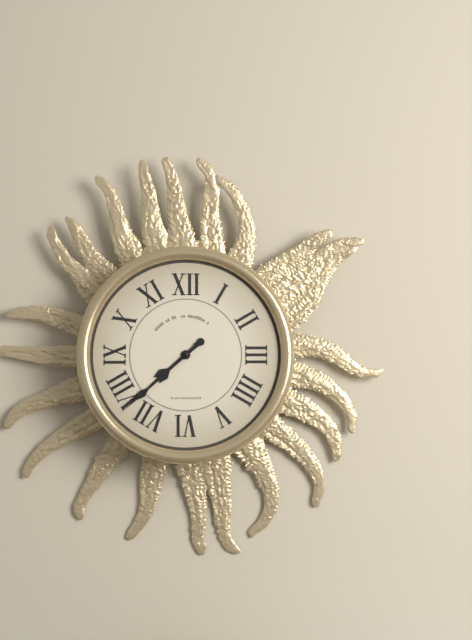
7:38
